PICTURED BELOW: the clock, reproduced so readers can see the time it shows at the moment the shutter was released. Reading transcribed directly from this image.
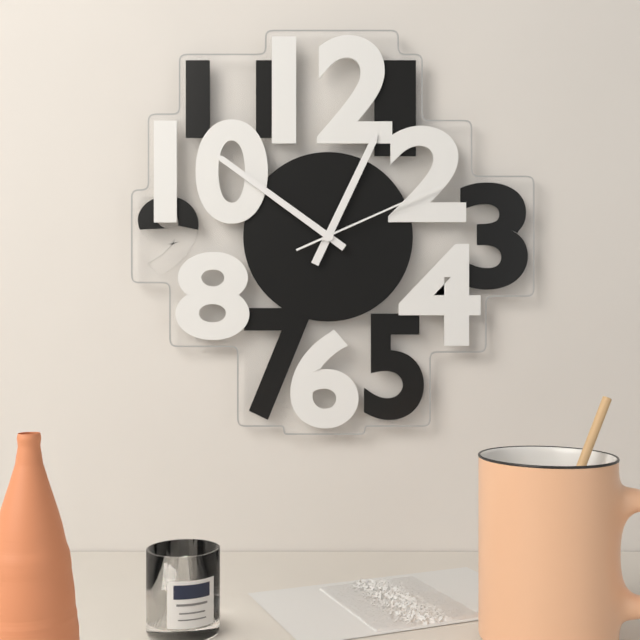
12:51:11
